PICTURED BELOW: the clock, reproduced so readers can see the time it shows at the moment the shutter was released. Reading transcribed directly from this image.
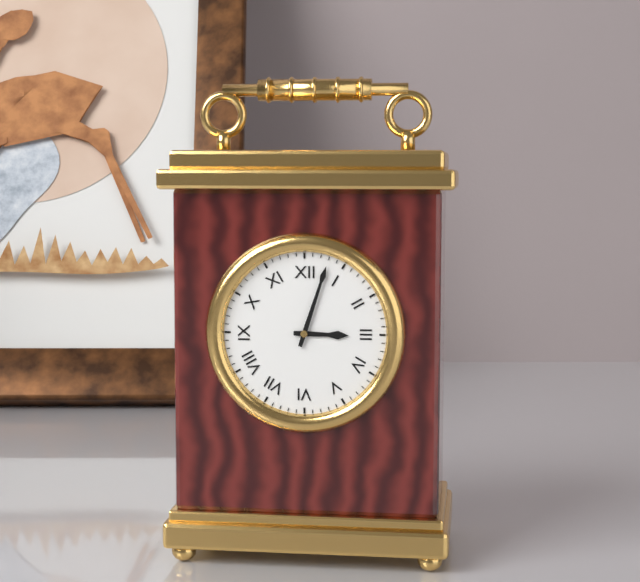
3:03
